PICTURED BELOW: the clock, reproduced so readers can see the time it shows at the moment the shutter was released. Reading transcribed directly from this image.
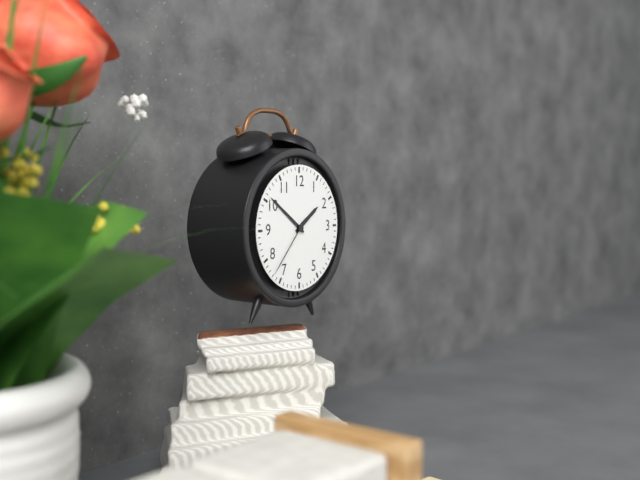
1:51:37
